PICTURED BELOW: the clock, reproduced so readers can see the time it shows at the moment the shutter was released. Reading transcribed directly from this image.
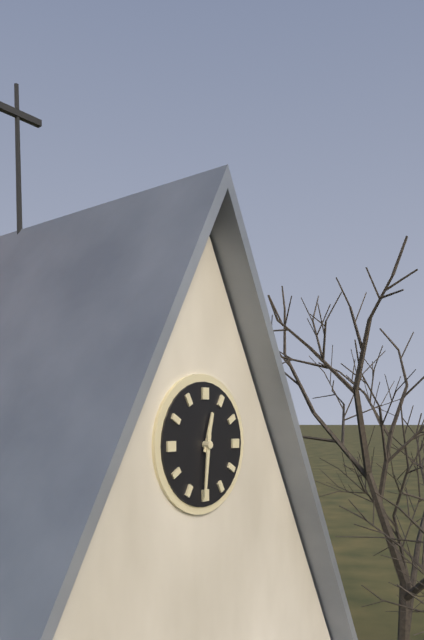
12:31
